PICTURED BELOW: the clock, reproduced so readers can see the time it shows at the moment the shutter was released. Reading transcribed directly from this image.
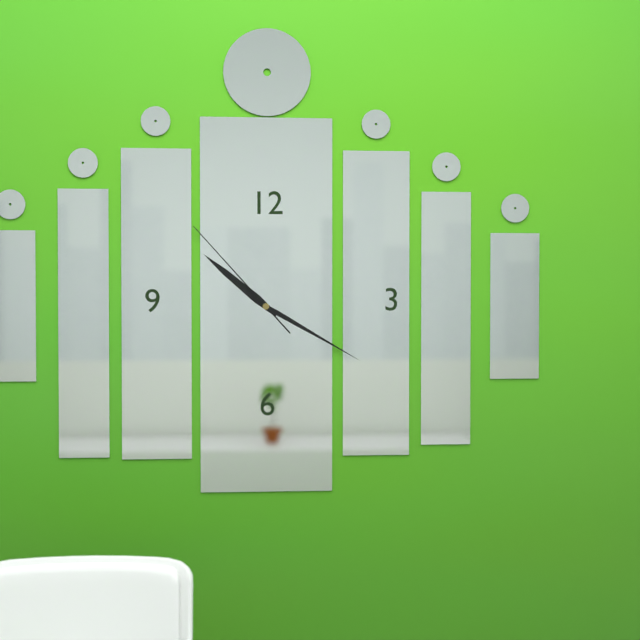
10:20:53
